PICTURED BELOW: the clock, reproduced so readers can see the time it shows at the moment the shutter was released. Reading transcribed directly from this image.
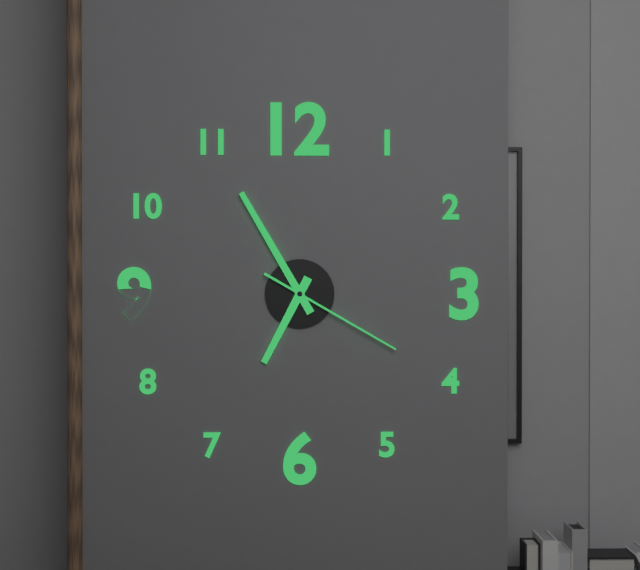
6:55:20
